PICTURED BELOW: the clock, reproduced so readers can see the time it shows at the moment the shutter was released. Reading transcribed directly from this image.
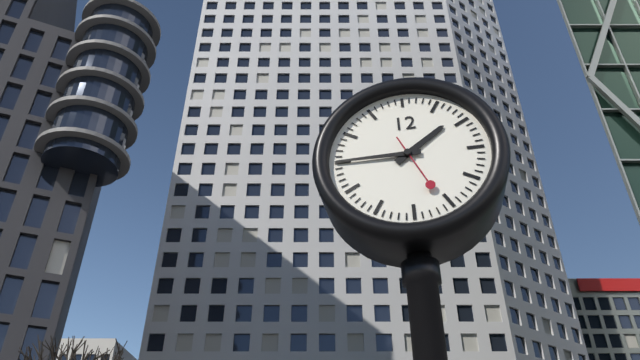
1:45:26
